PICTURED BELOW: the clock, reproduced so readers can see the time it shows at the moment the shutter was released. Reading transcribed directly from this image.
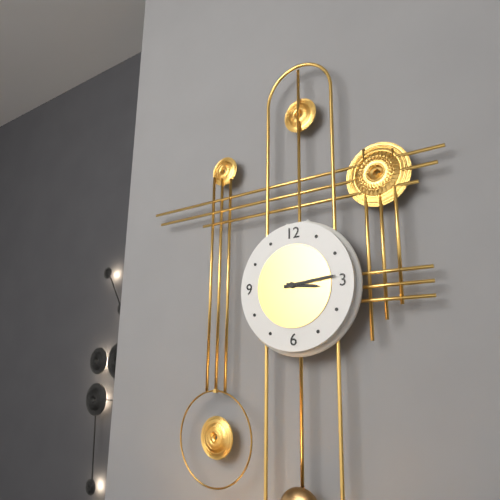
3:14
